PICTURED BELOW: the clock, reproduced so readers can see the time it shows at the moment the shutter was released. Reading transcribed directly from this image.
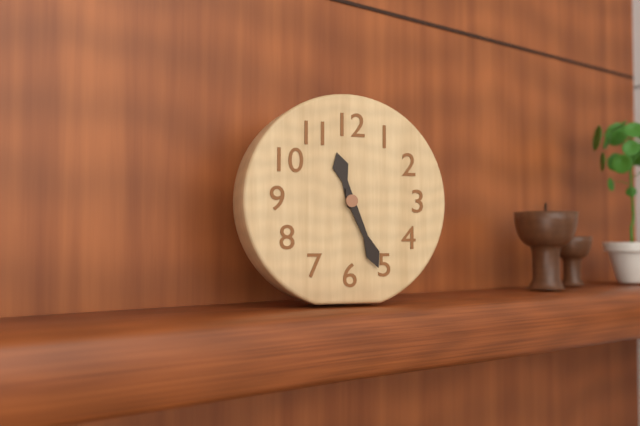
11:26
